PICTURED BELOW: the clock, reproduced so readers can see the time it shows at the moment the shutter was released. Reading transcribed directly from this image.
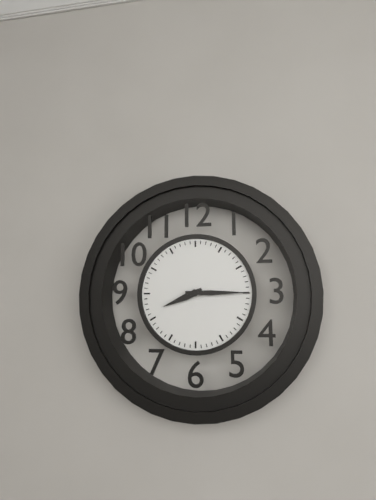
8:15
